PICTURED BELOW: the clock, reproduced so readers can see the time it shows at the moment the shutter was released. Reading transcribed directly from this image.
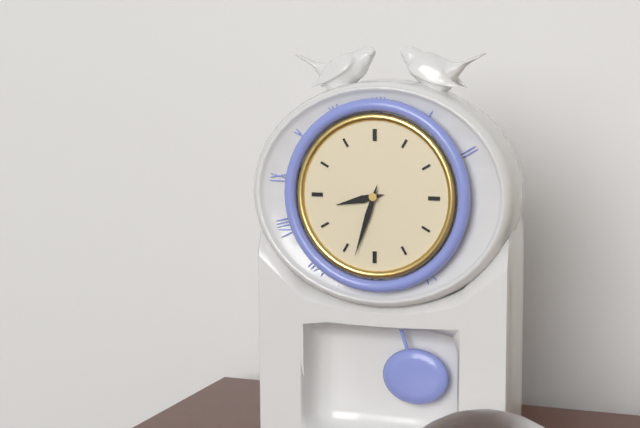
8:33
